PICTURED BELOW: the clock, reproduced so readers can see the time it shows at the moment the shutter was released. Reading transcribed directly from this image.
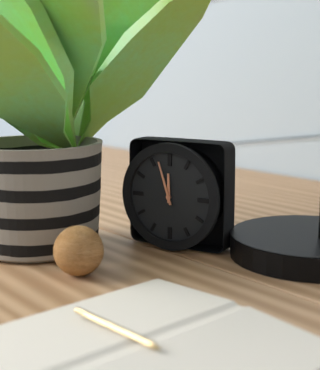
11:57
